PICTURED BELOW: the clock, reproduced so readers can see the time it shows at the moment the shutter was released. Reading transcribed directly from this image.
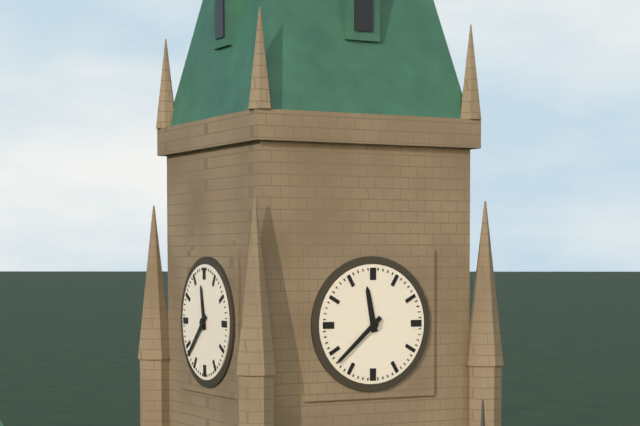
11:38
